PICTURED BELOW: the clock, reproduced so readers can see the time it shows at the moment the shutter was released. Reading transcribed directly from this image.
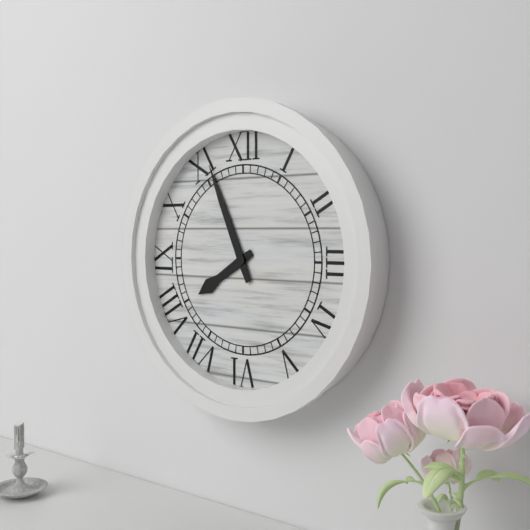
7:56
